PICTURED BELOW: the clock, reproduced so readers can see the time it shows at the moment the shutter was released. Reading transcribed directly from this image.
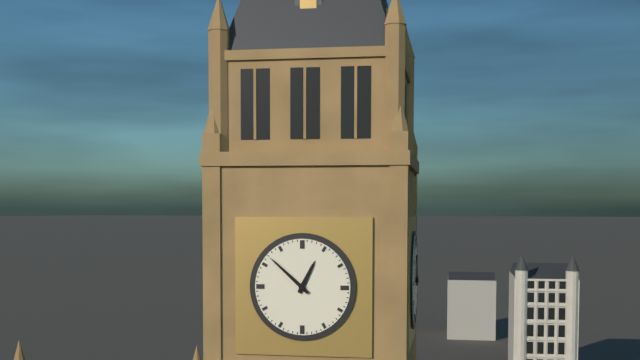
12:52
